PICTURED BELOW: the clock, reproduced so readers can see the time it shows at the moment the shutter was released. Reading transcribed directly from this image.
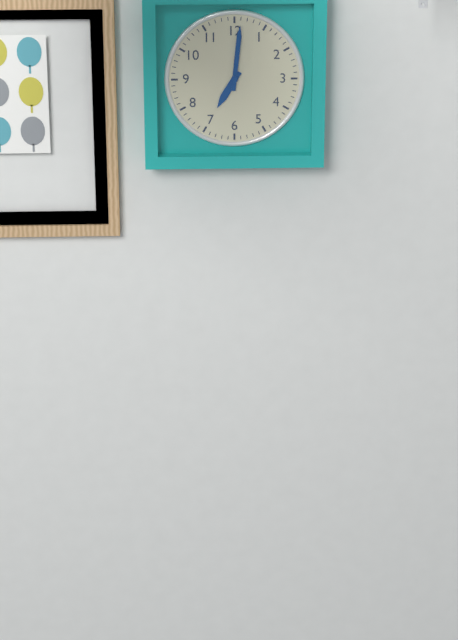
7:01
